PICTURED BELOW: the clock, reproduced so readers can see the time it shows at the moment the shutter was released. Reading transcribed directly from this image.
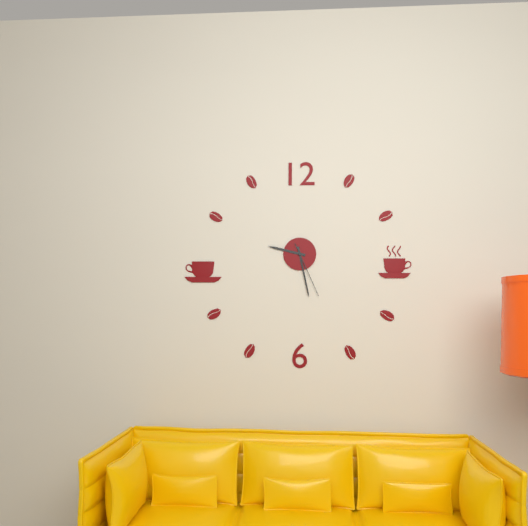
9:28:26
